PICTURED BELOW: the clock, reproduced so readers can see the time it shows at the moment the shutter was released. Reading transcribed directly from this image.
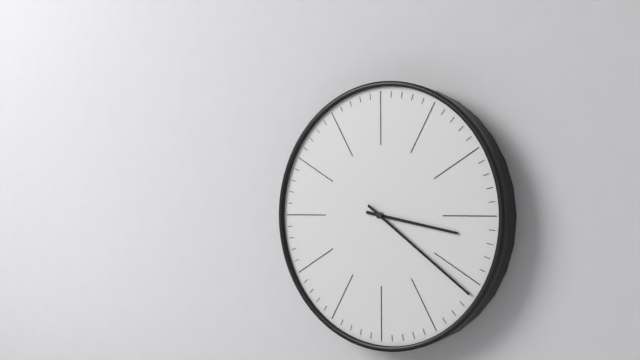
3:21
